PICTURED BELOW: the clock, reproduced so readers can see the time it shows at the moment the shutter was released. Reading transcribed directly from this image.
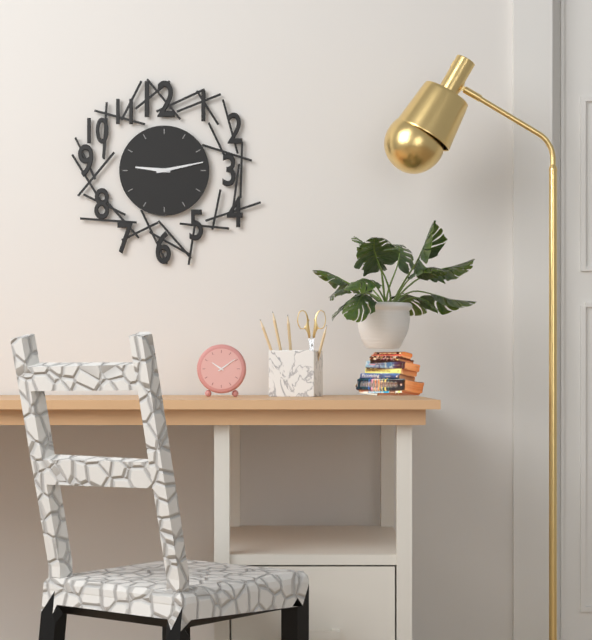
9:13
